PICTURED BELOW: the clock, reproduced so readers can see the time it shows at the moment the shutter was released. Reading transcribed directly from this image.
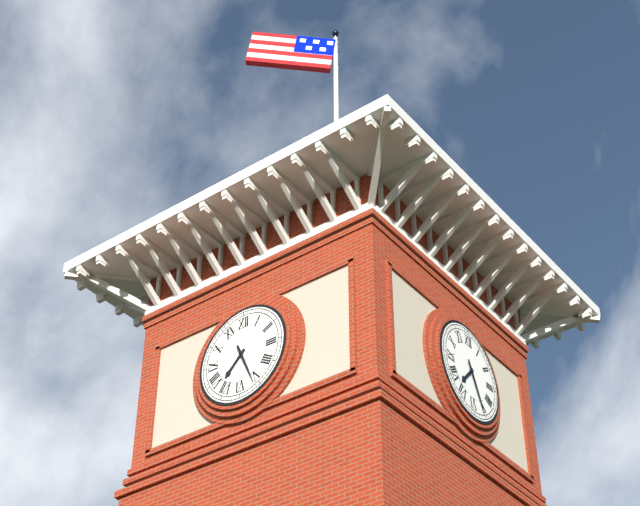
7:26
